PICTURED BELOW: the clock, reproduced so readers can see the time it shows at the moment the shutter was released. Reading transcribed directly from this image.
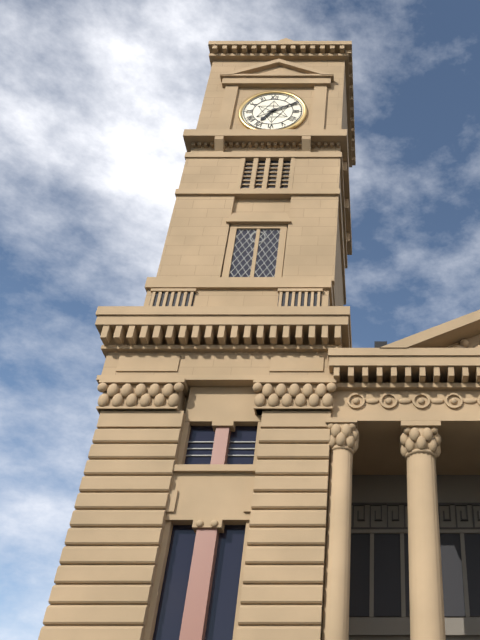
7:10
